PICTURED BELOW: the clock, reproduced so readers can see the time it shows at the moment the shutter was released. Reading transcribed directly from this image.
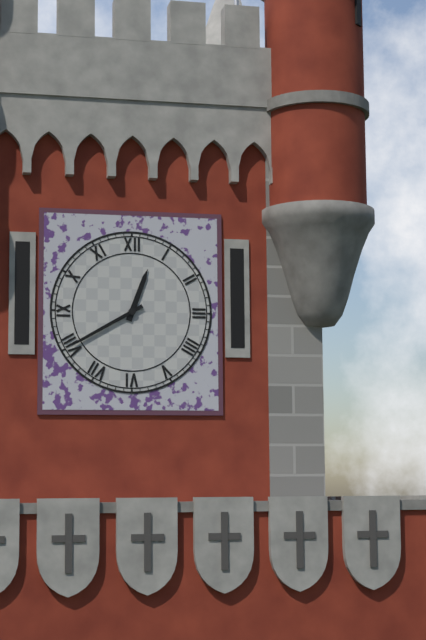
12:40
